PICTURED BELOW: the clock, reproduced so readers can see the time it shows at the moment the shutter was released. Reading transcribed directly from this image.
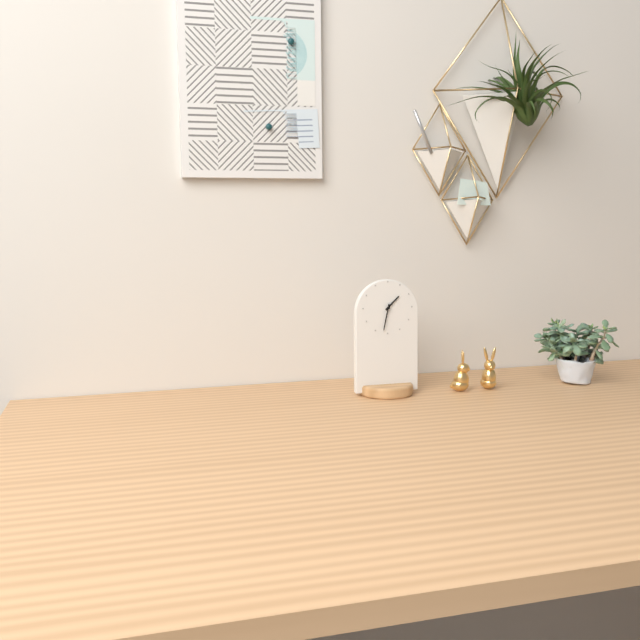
1:32
